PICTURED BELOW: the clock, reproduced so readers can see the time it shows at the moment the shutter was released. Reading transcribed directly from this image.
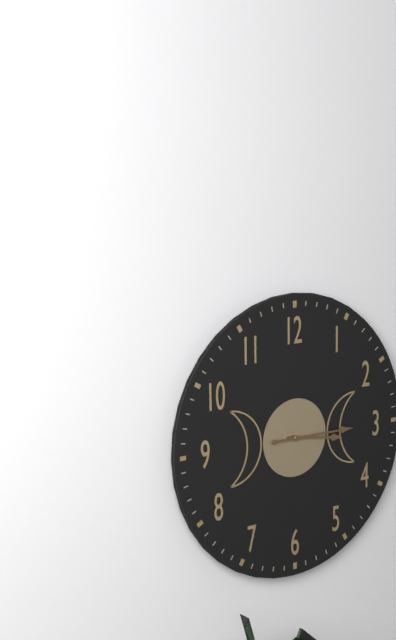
3:15
